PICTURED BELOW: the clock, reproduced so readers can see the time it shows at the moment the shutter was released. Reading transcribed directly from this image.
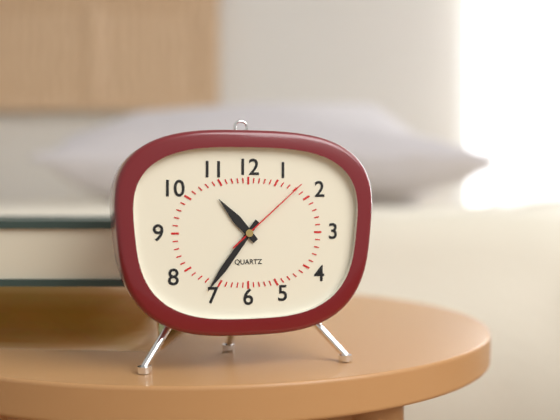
10:36:08
